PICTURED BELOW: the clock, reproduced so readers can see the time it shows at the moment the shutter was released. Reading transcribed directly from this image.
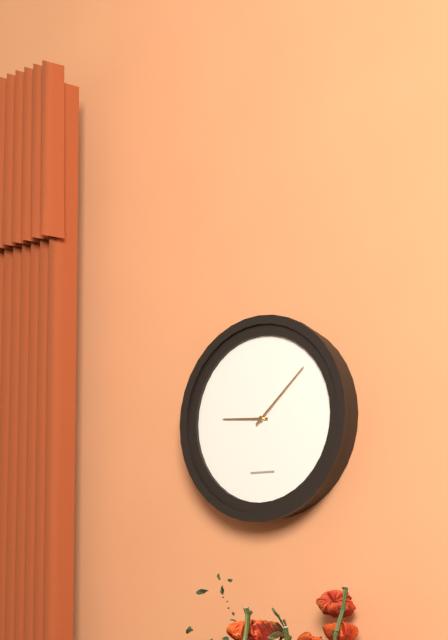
9:08
